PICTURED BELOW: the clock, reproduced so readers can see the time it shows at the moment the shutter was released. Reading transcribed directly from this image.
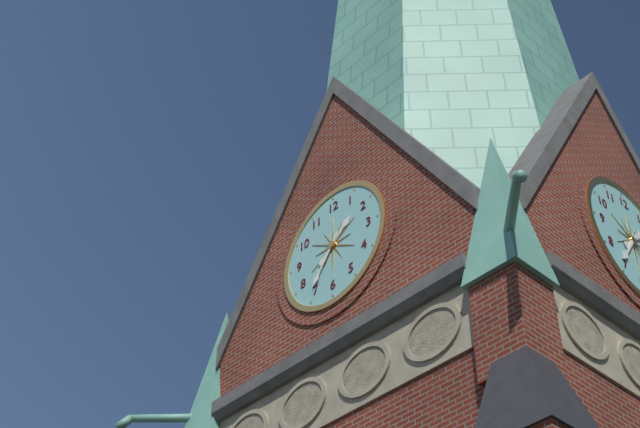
1:36
